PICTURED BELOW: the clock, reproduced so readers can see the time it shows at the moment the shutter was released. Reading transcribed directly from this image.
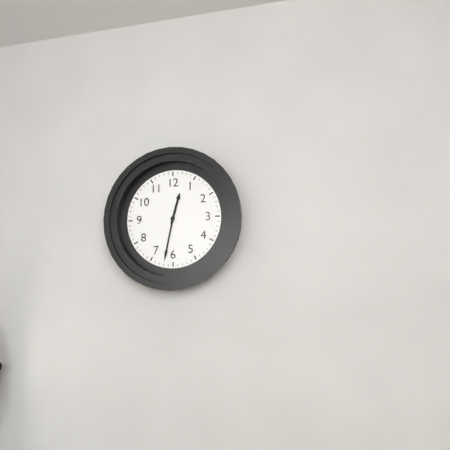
12:32
